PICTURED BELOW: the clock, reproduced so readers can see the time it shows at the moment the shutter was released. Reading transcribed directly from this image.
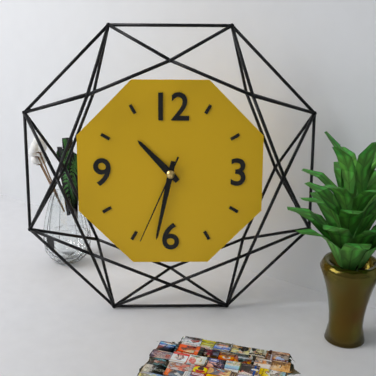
10:32:34
